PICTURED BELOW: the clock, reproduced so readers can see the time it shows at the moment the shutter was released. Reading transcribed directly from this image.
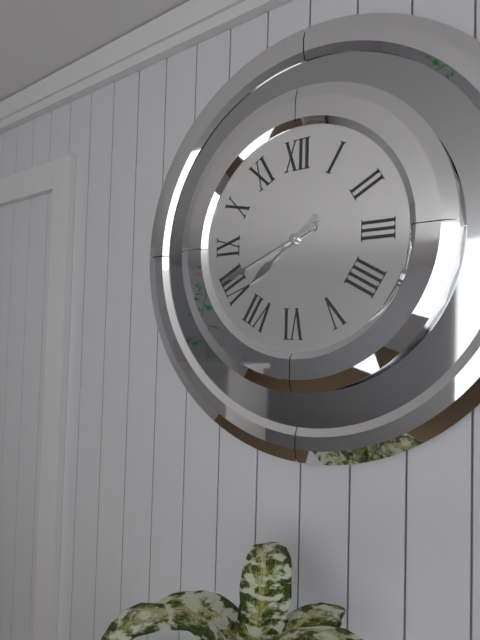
7:41
